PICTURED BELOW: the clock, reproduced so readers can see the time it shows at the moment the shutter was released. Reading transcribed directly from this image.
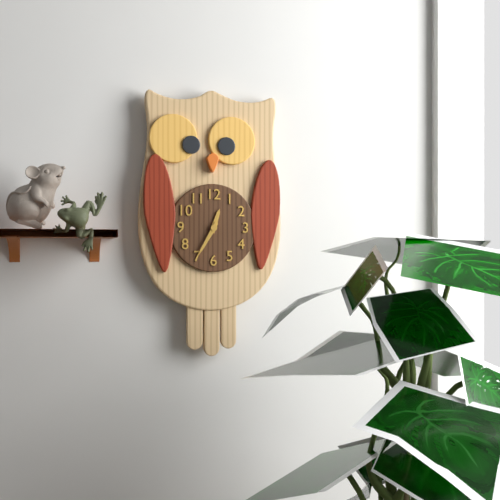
12:35
